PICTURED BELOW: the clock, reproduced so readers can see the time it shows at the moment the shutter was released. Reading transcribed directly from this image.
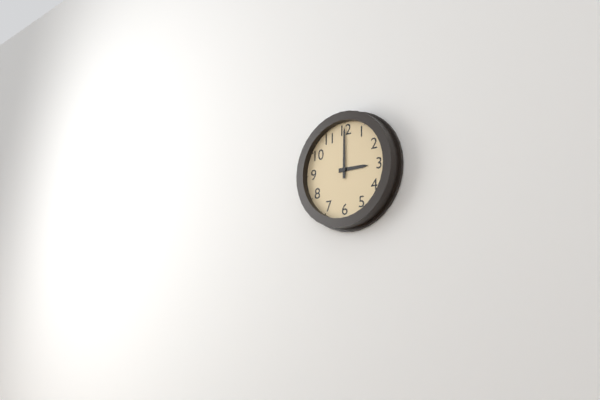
3:00
